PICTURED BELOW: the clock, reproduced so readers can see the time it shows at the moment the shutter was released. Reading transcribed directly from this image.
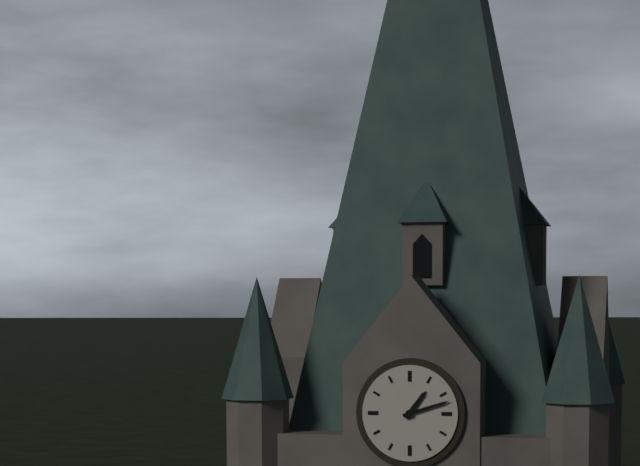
1:12
